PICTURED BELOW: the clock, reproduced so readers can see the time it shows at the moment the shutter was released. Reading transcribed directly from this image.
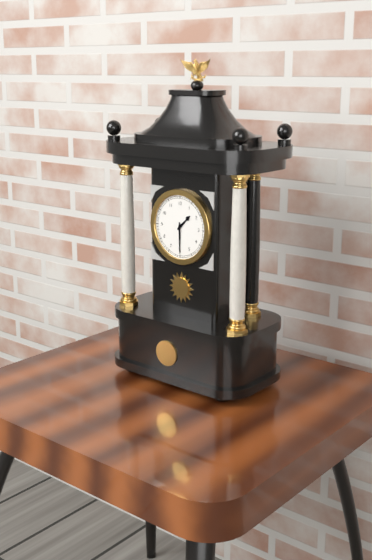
1:30
